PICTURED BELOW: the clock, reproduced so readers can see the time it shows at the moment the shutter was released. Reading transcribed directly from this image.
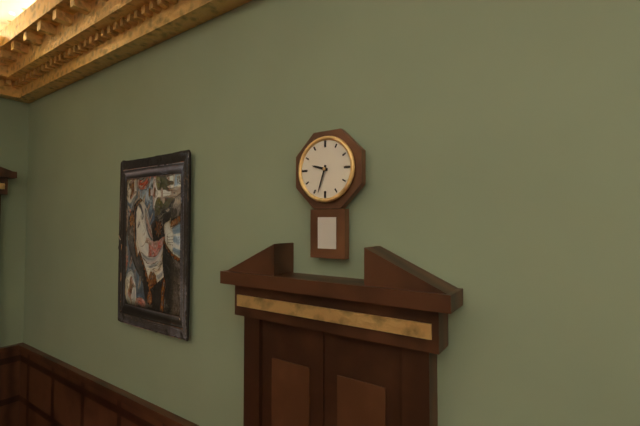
9:33
